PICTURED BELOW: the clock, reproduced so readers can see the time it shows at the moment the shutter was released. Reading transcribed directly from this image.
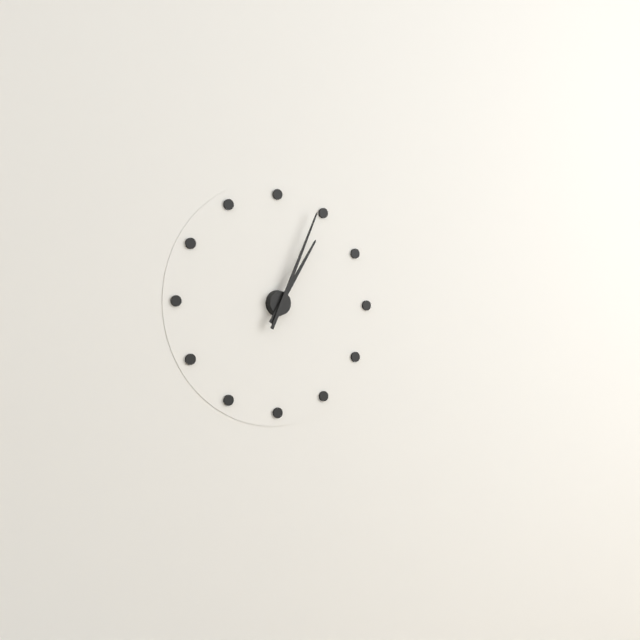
1:04
